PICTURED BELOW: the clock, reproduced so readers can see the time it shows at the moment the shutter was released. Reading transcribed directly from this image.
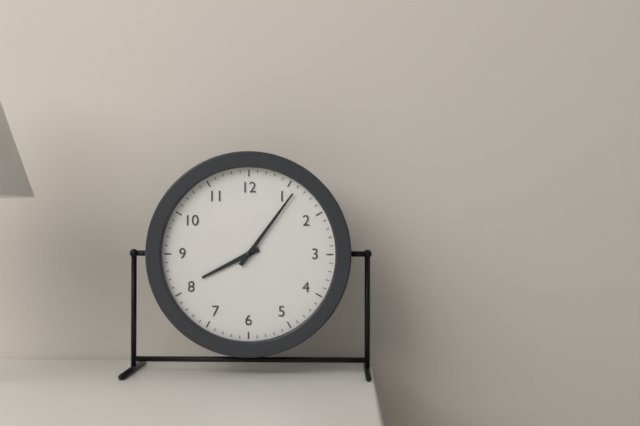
8:06
